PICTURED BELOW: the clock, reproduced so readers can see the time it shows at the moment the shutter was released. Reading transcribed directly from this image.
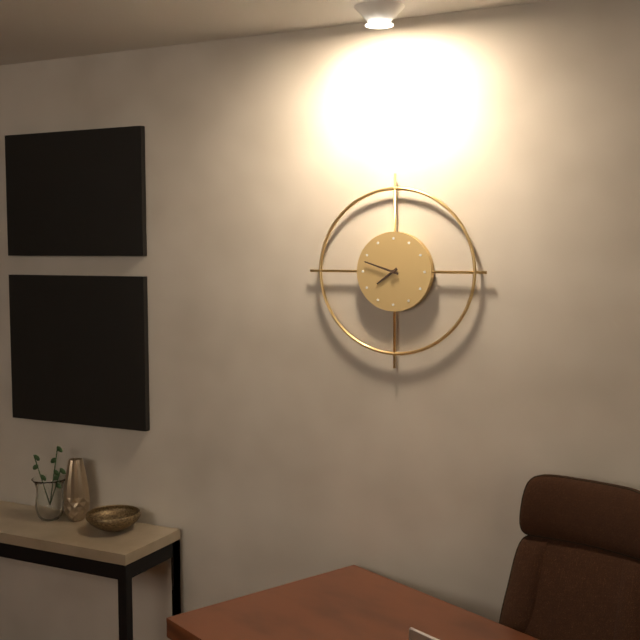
7:48
